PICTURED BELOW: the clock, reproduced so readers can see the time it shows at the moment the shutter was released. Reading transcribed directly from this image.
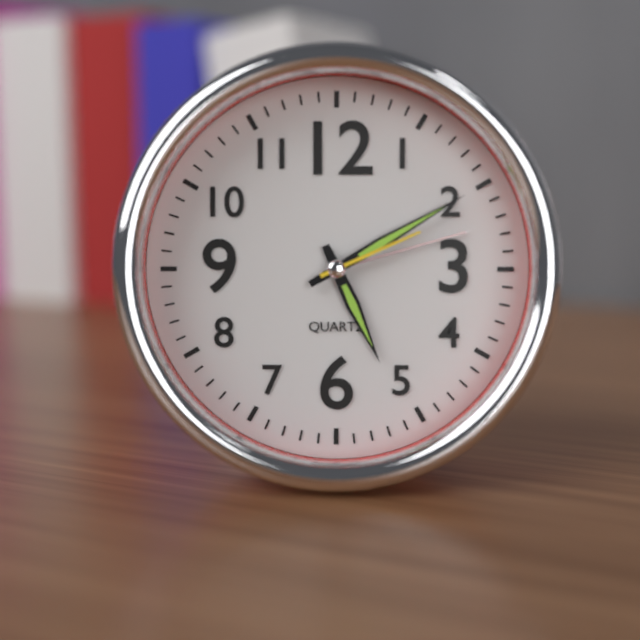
5:10:11
